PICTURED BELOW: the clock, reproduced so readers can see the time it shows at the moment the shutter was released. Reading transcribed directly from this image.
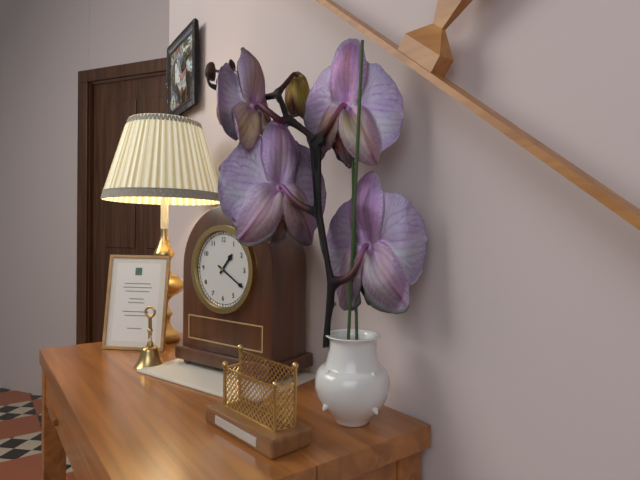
1:20
